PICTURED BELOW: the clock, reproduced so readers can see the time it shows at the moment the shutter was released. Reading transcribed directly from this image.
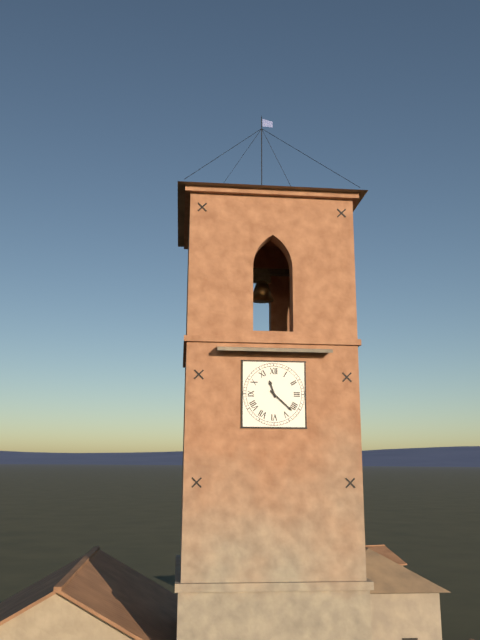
11:22
